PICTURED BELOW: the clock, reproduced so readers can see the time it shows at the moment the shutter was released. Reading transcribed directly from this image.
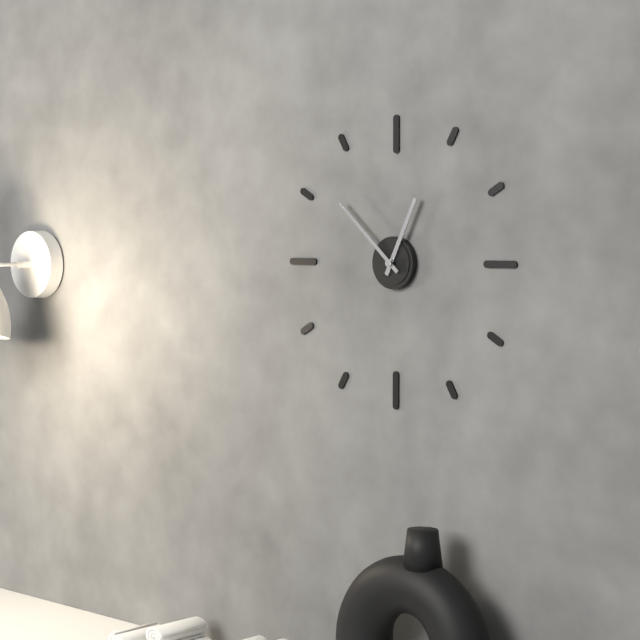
12:52
